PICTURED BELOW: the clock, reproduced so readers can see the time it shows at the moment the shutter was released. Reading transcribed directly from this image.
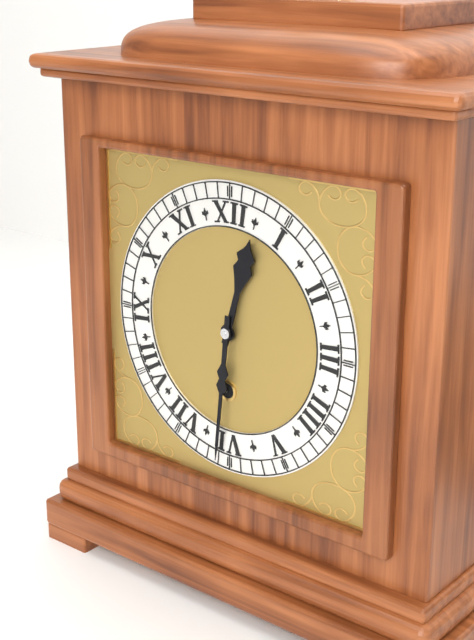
12:31
